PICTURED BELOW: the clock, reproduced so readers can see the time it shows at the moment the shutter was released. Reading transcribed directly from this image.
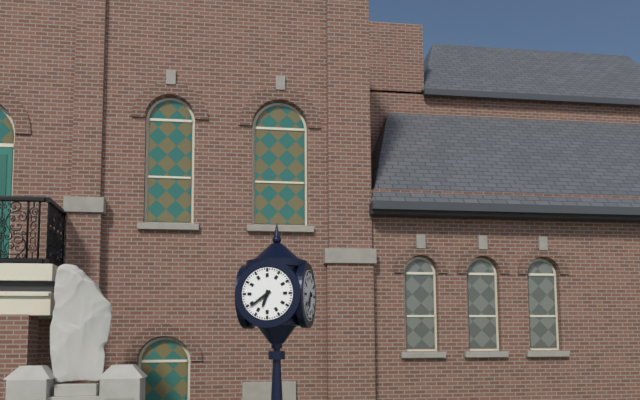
6:39
